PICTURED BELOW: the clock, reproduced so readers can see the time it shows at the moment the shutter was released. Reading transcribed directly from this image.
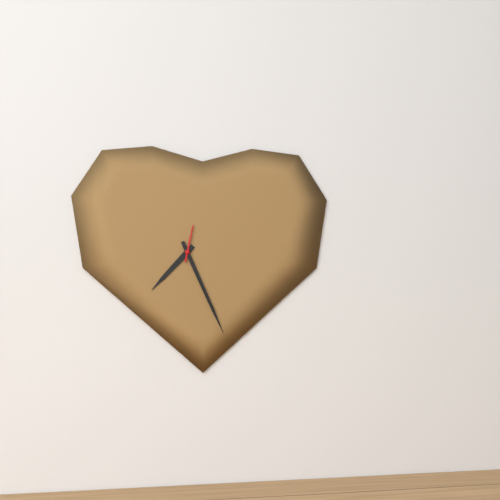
7:26
